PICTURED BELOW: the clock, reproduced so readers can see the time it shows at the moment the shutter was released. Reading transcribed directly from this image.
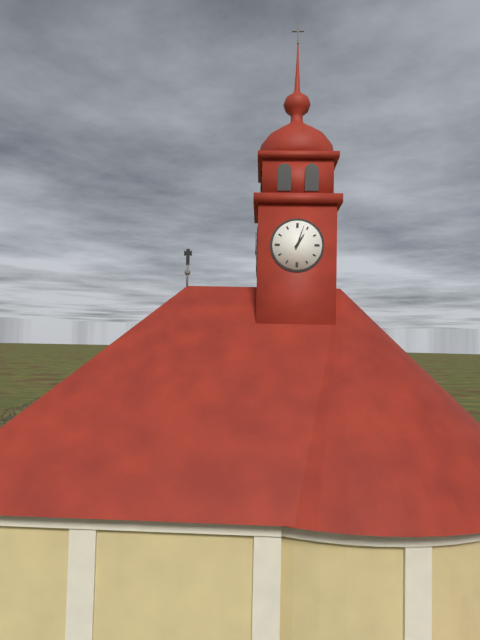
1:03
